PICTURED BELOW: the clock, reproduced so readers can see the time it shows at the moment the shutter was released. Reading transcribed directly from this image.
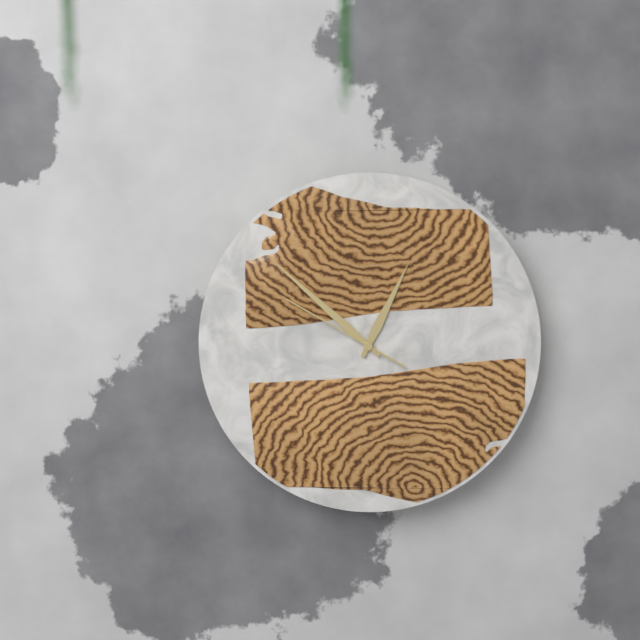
12:52:50
